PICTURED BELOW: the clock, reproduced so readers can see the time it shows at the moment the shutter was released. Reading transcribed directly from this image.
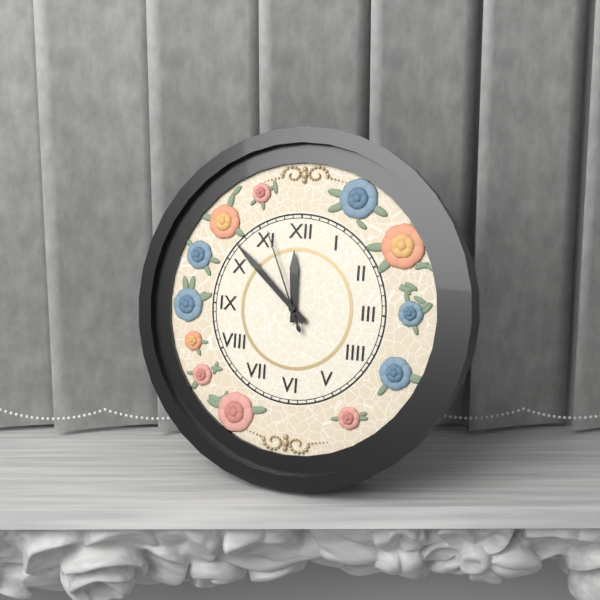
11:52:56
